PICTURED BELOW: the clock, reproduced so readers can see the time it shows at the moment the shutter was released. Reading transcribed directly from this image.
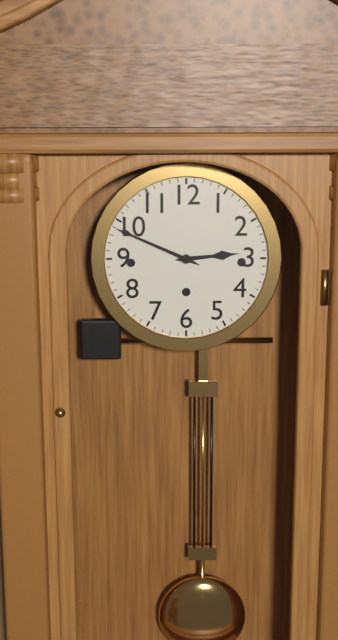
2:49
